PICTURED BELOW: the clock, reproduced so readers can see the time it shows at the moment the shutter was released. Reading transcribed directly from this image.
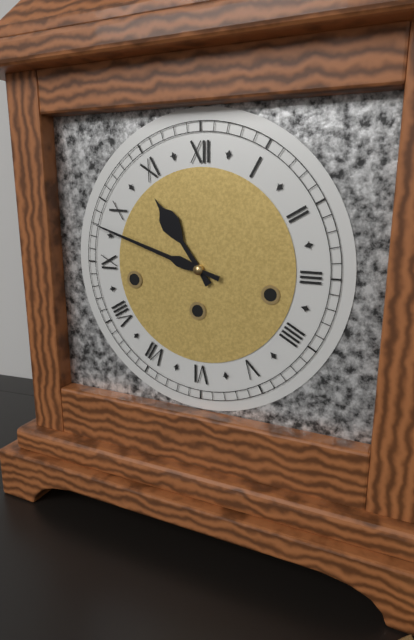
10:48
